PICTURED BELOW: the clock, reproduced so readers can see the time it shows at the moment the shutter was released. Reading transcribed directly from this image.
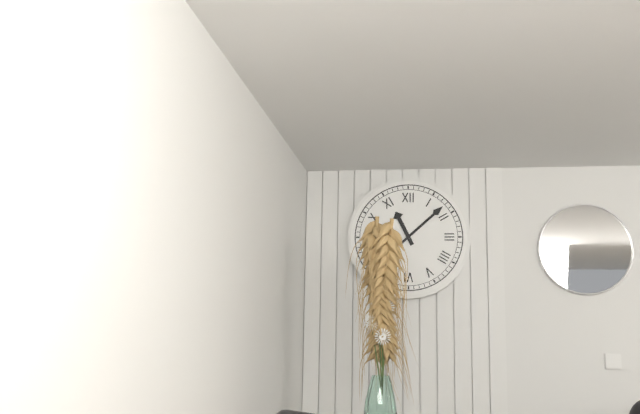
11:08
